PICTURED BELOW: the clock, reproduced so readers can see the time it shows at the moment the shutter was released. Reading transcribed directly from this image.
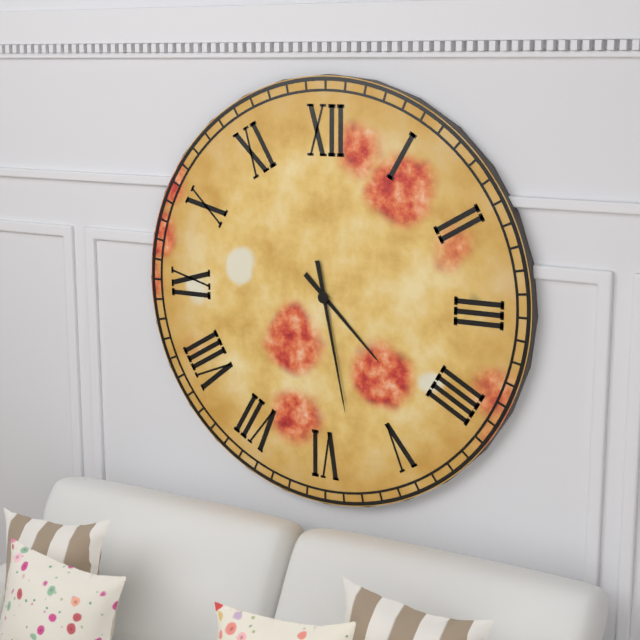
4:28
